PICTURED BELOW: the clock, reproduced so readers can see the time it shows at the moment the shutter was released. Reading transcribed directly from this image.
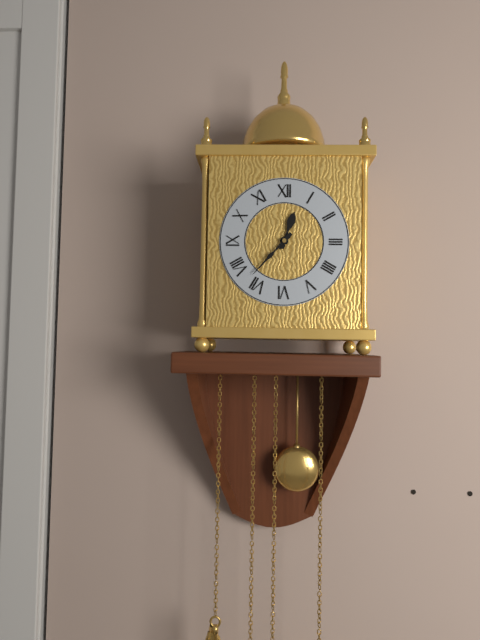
12:37
